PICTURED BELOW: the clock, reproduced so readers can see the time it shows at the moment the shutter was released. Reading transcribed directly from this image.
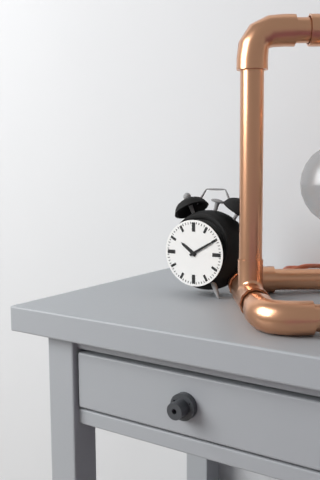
10:10
